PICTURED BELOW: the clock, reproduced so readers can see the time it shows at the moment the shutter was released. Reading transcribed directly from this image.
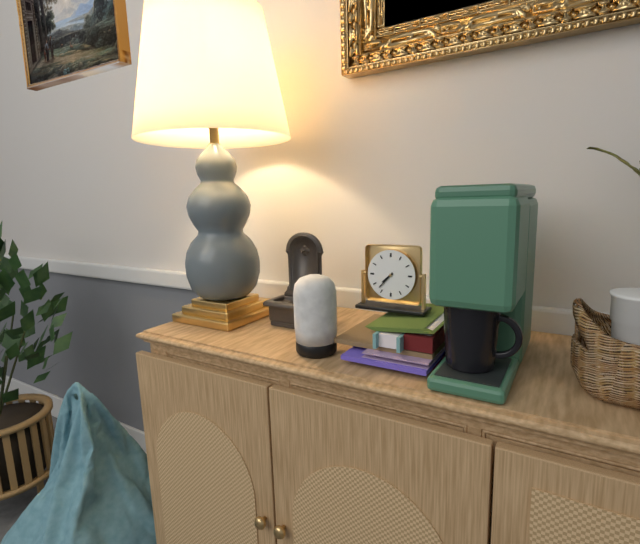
7:37
